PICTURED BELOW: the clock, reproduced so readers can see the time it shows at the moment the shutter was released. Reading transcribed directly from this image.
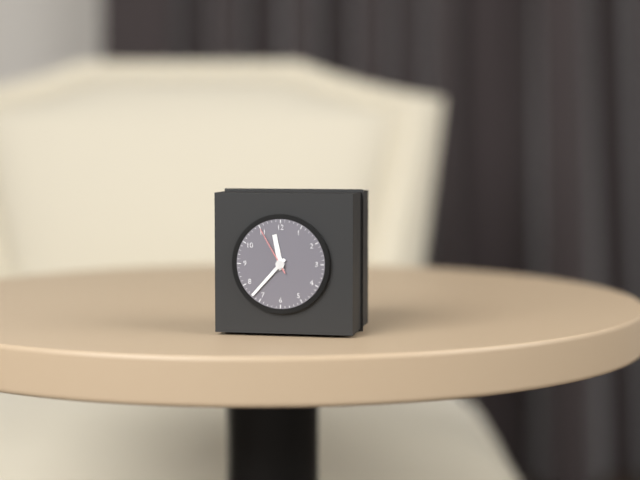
11:37:55
